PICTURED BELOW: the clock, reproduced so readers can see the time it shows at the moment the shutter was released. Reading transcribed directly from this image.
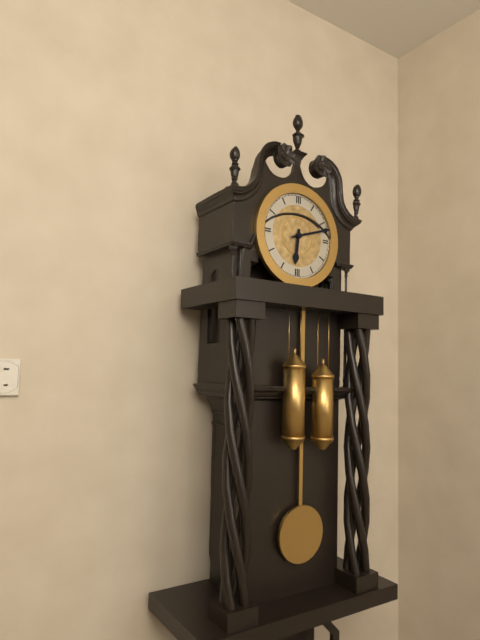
6:12
